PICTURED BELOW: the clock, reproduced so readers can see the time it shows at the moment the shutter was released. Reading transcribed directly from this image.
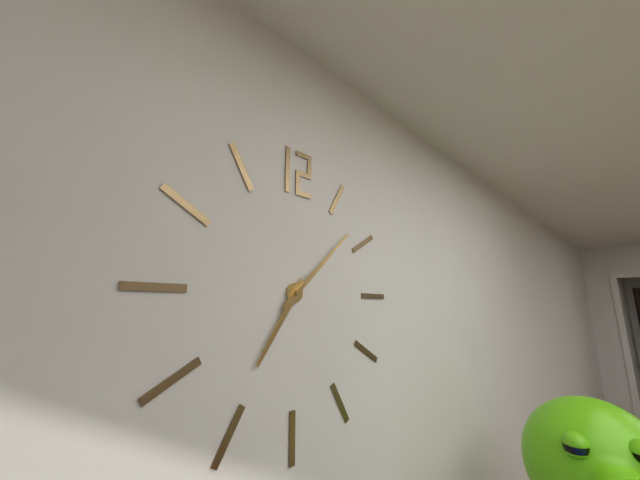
7:08
